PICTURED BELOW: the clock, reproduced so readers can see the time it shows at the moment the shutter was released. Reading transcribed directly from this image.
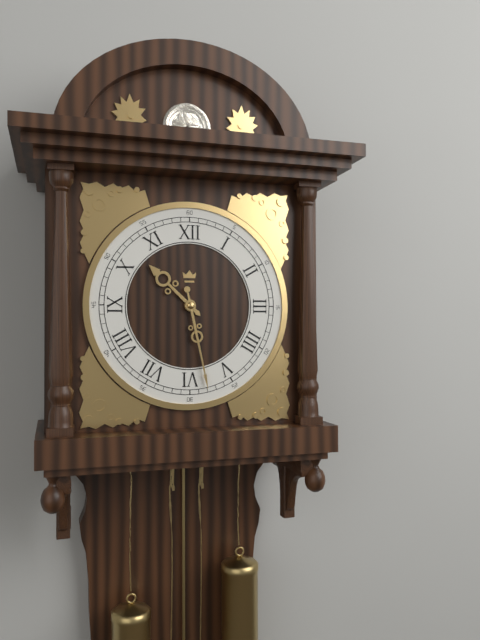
10:28
